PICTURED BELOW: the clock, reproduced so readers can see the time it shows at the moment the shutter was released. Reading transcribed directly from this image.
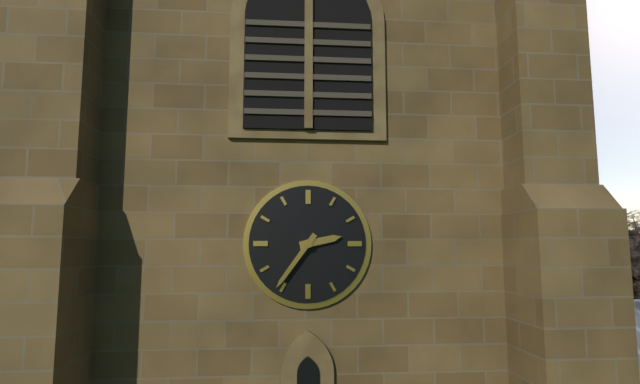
2:36
